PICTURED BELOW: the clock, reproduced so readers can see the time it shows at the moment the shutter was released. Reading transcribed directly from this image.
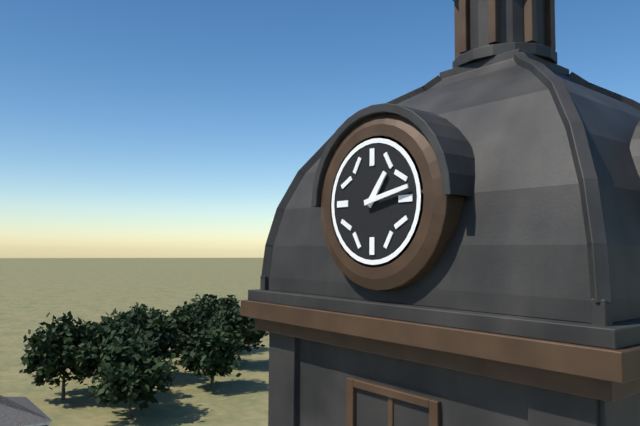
1:13
